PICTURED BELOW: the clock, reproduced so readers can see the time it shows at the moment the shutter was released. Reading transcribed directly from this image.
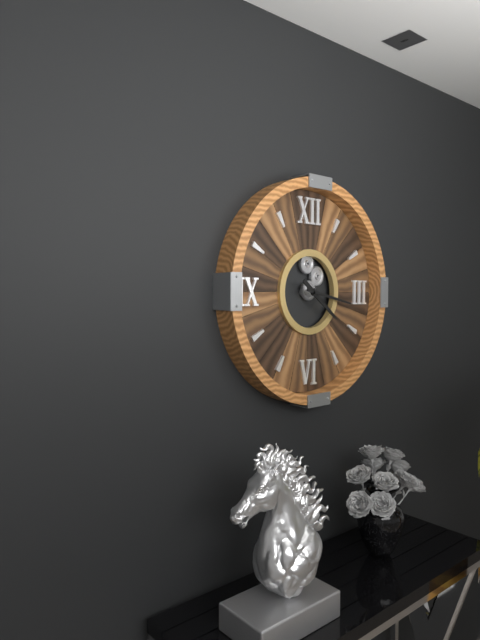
4:17
